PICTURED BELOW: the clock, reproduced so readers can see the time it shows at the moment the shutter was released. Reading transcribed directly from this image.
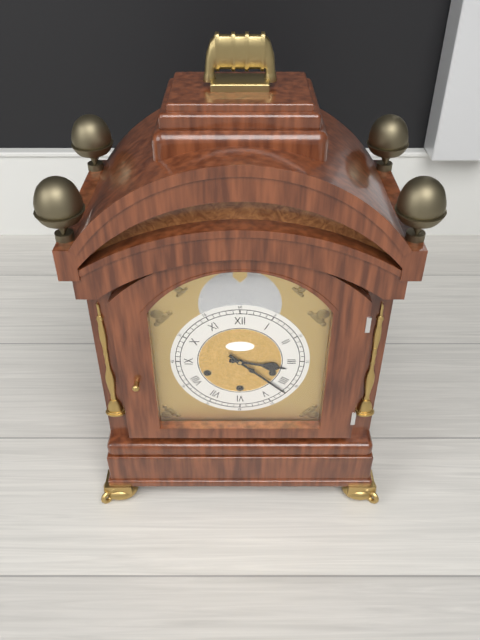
3:22
